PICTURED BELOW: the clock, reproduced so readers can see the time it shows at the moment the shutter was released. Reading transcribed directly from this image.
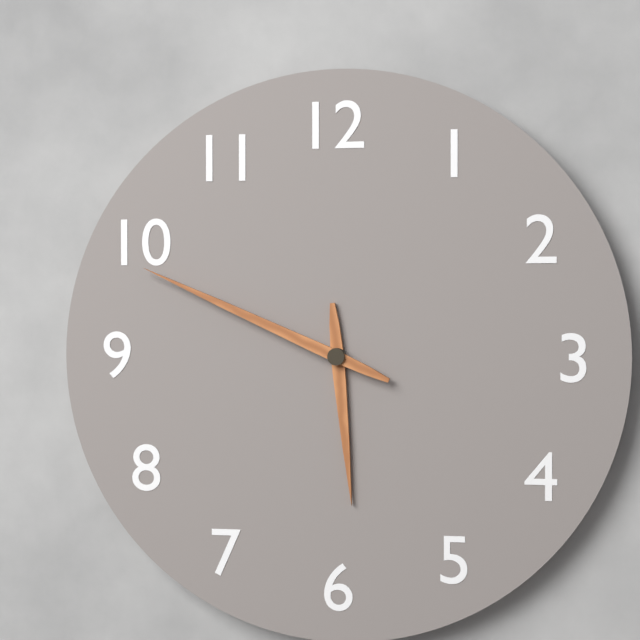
5:49
